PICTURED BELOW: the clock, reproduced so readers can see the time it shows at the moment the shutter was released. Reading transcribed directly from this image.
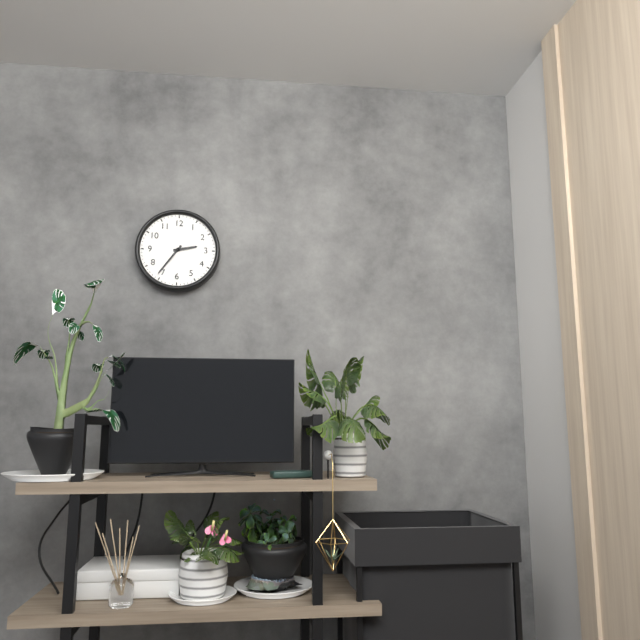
2:36
